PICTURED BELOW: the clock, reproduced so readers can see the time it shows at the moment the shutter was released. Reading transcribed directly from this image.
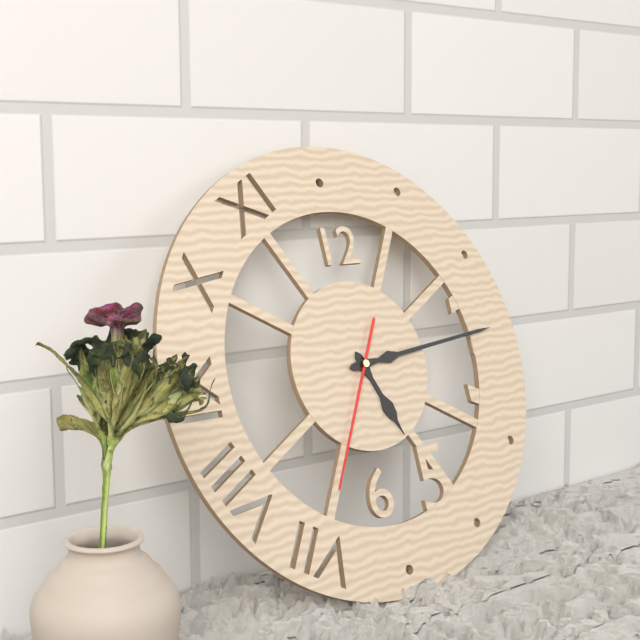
5:14:35
